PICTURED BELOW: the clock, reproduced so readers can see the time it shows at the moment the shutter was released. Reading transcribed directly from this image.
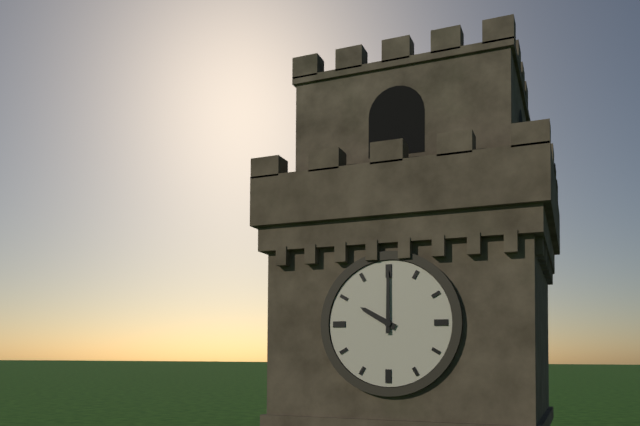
10:00
